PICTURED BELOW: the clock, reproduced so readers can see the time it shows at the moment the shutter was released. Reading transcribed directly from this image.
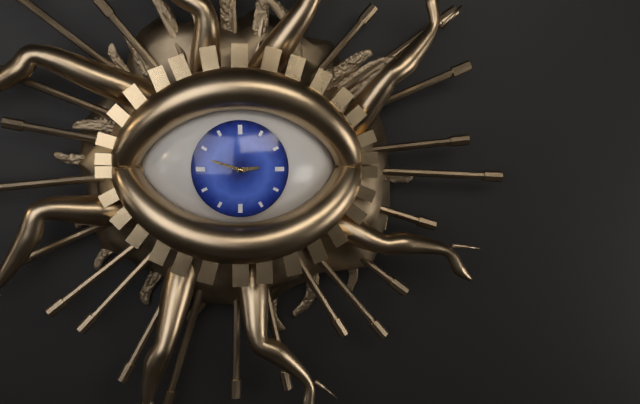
2:48
